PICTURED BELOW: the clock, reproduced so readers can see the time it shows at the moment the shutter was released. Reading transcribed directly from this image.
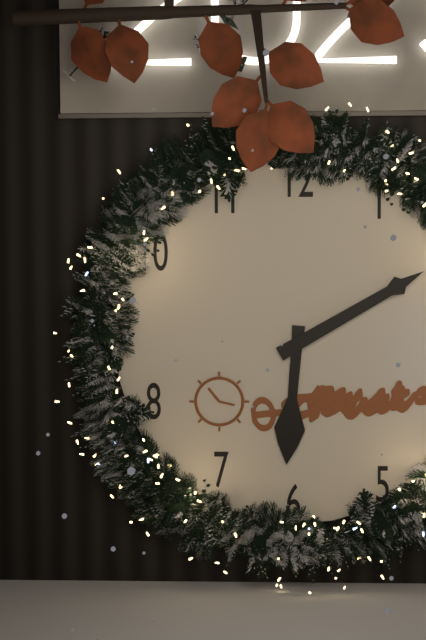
6:10
